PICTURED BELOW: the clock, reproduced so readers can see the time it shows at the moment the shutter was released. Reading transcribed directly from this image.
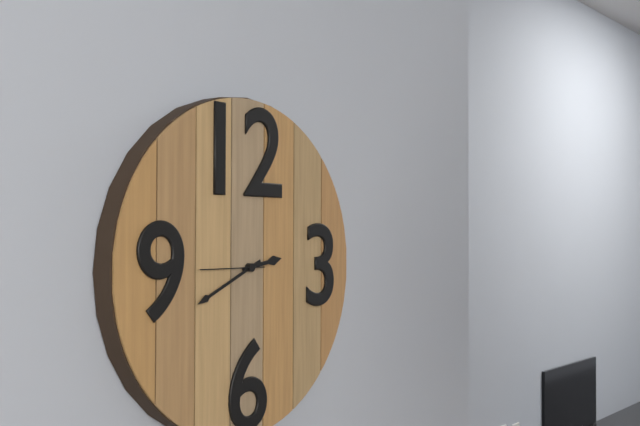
2:41:45
